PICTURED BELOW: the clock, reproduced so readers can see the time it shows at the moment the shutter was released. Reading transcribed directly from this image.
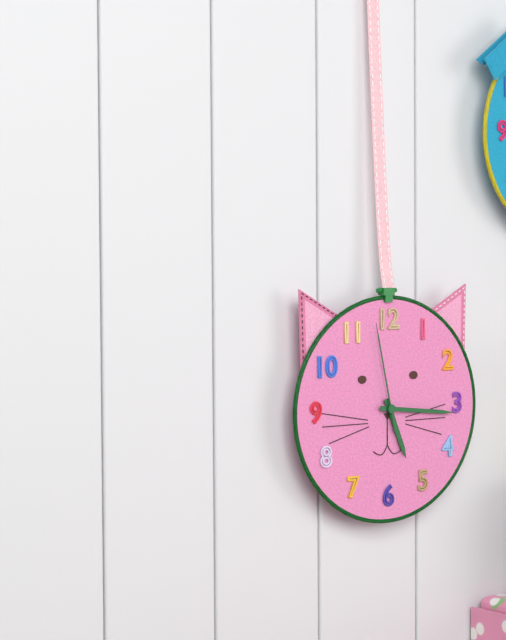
5:16:58
